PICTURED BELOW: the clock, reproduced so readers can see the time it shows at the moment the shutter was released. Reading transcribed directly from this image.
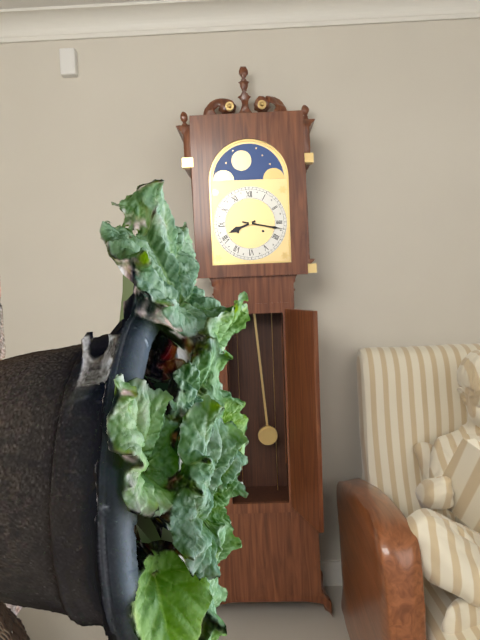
8:17
